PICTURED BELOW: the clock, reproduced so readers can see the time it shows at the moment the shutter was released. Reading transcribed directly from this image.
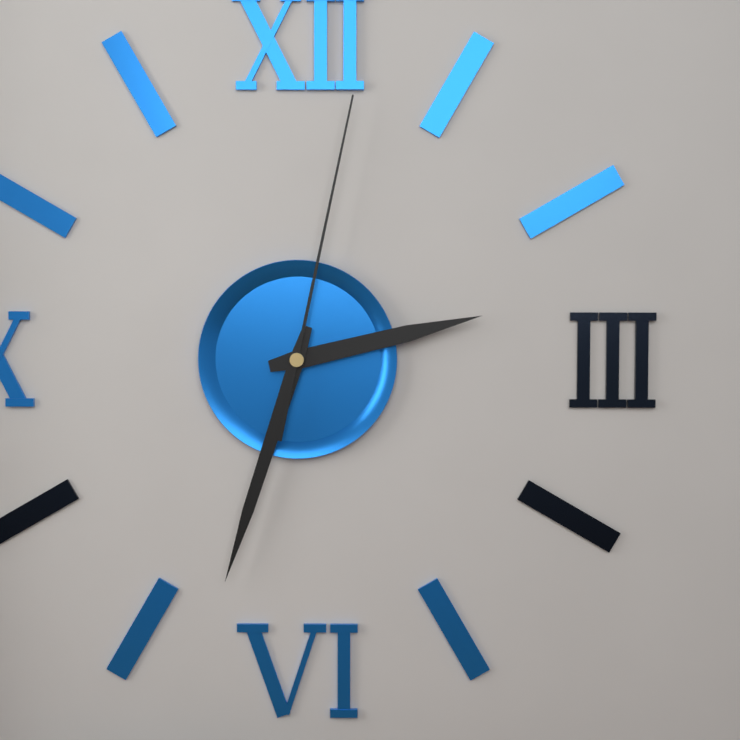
2:33:02
